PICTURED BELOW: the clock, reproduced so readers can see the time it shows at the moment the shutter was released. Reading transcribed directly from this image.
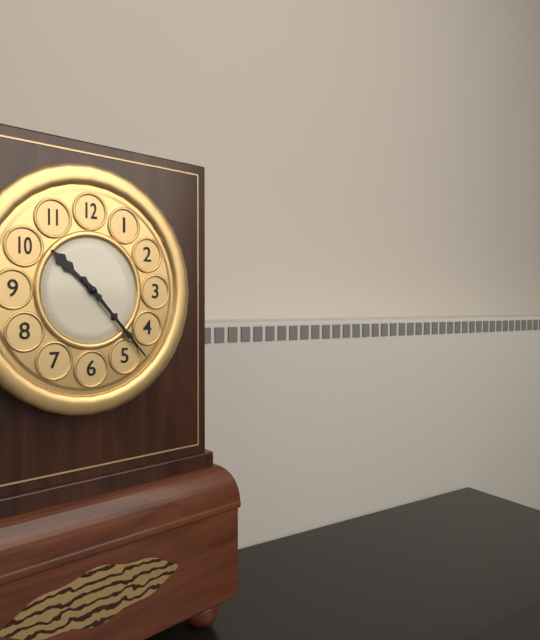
10:23
